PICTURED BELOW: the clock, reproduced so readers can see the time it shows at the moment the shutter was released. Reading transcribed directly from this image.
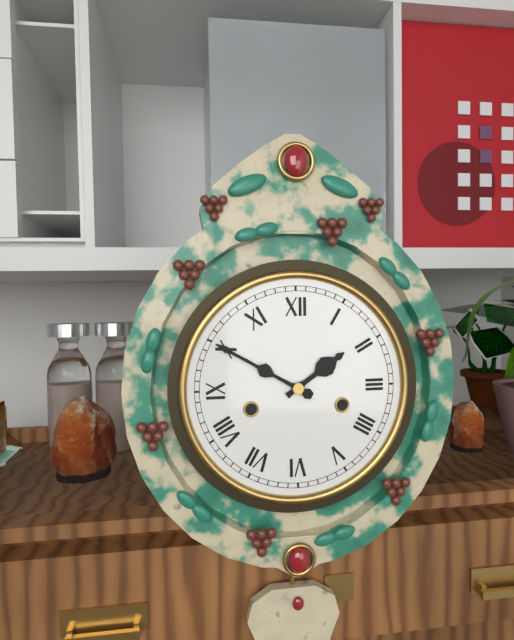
1:50
